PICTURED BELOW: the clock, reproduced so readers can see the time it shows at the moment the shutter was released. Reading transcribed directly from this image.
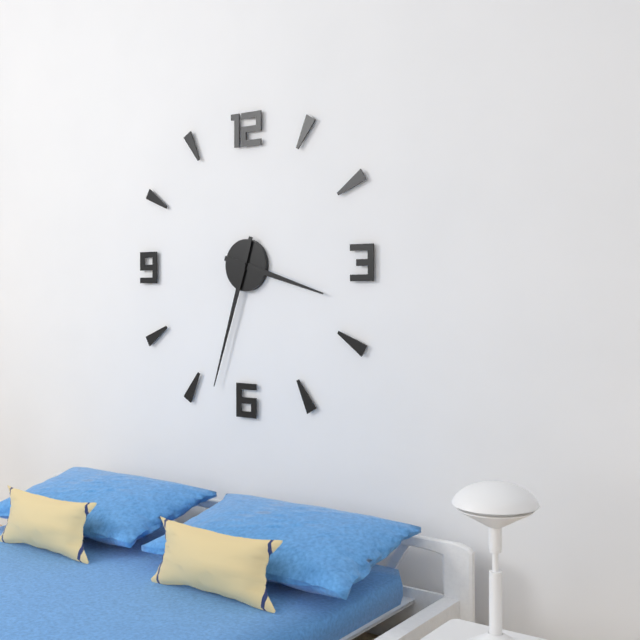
3:33
